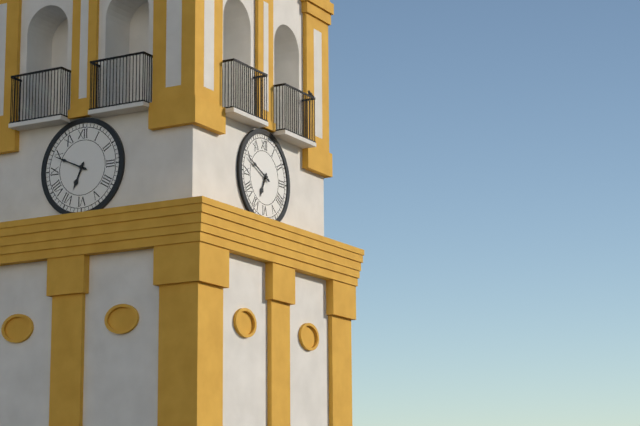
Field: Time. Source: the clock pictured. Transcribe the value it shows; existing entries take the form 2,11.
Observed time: 6,49
